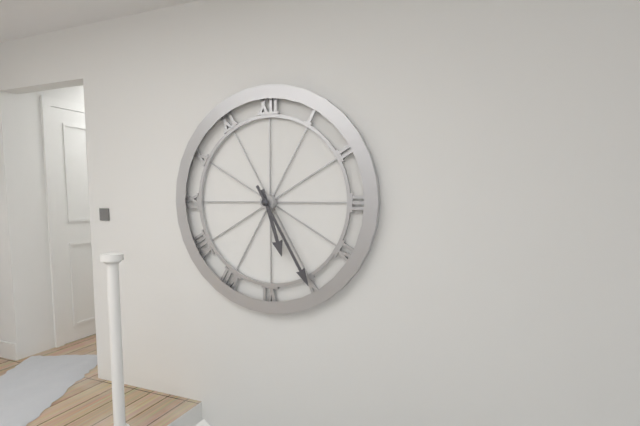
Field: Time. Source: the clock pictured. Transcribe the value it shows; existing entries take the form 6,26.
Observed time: 5,25
